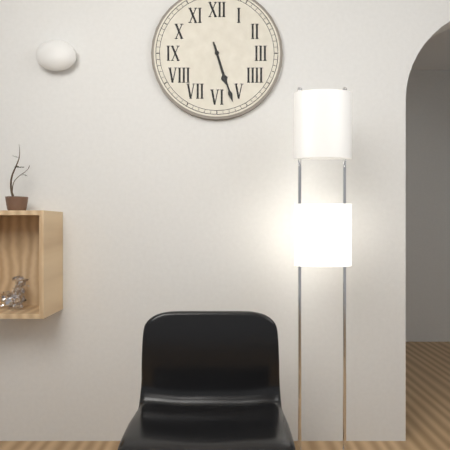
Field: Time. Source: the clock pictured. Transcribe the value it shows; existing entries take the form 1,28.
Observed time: 5,27
